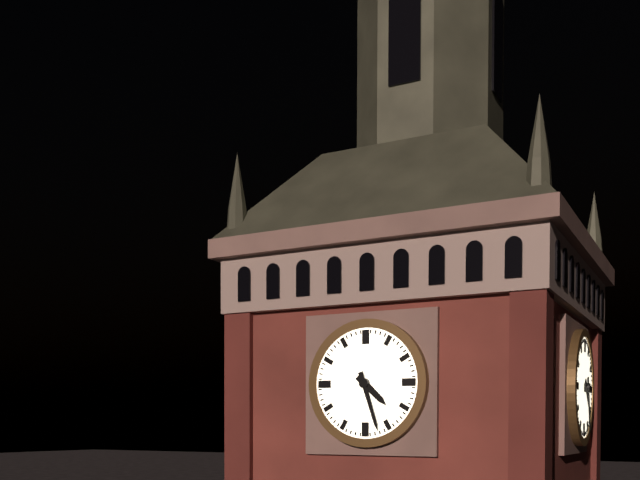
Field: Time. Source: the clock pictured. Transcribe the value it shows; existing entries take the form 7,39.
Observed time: 4,27
